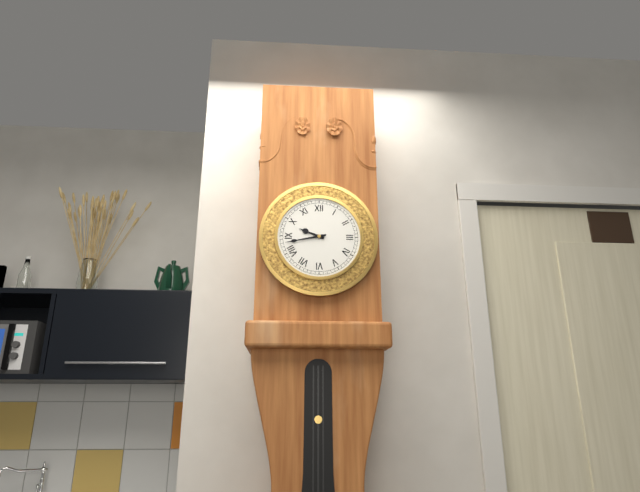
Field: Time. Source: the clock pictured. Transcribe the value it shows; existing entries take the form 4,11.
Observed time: 9,43
